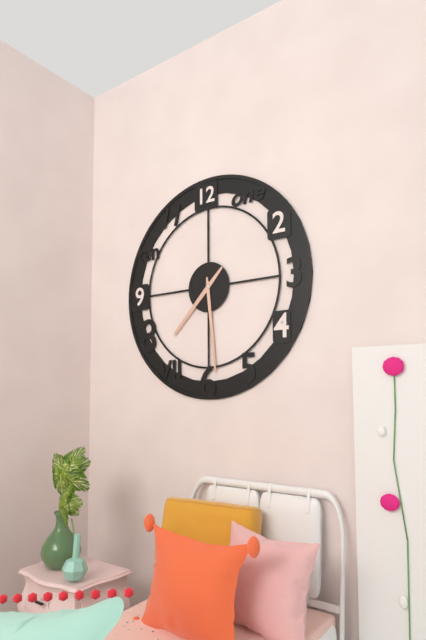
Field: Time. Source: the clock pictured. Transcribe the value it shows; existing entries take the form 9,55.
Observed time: 7,29
